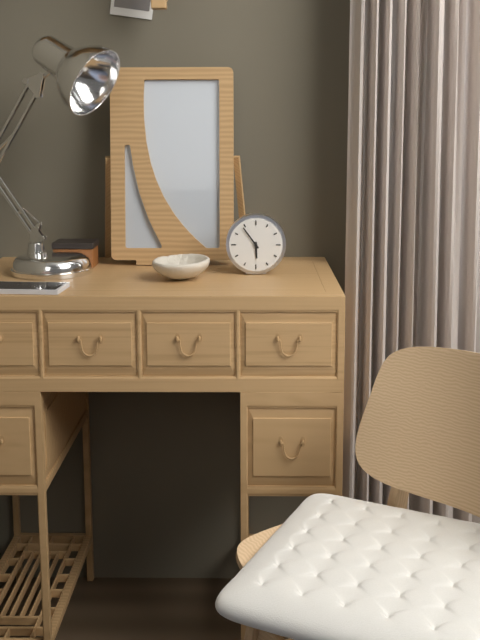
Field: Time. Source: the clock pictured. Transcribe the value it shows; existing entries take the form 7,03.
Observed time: 5,54
